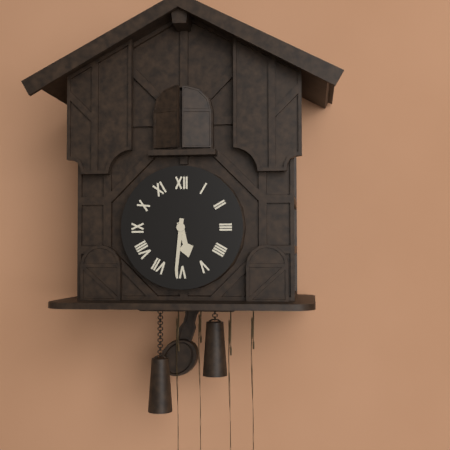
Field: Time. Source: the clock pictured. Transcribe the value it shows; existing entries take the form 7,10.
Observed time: 5,31
